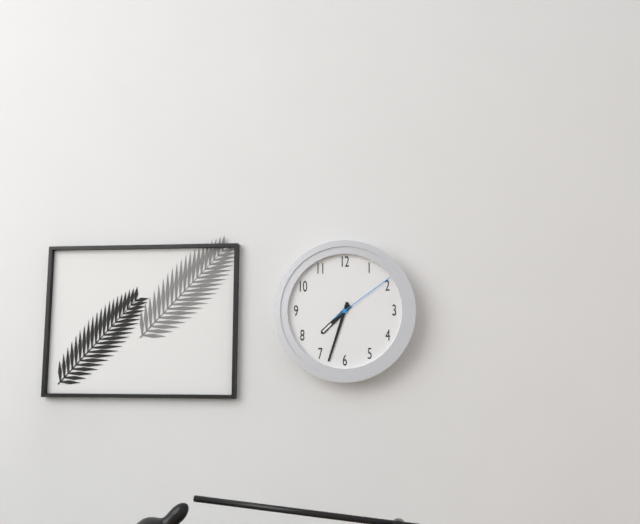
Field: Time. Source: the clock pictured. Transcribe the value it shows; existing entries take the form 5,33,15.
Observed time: 7,33,09
